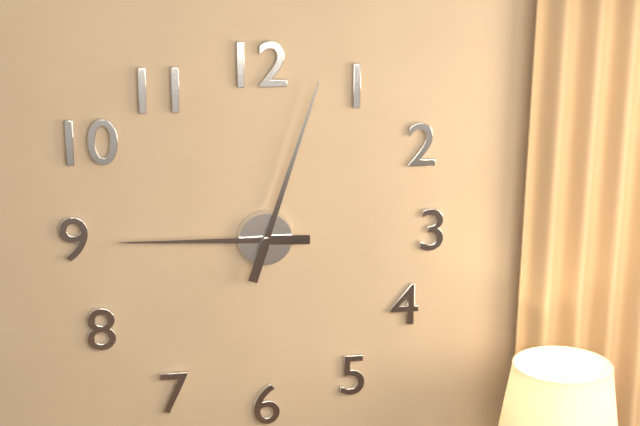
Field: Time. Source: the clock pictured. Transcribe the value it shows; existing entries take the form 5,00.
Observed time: 9,03
